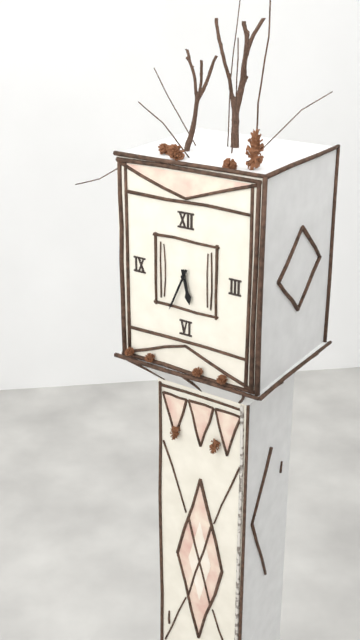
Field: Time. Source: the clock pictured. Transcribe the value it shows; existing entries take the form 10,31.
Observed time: 5,34
